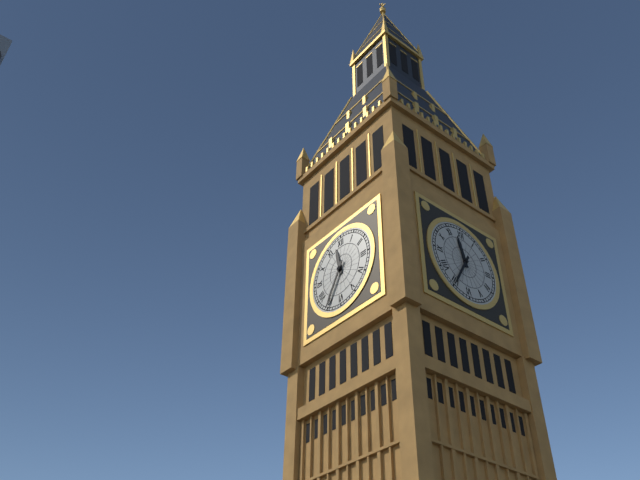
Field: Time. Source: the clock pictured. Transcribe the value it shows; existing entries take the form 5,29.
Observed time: 11,35
